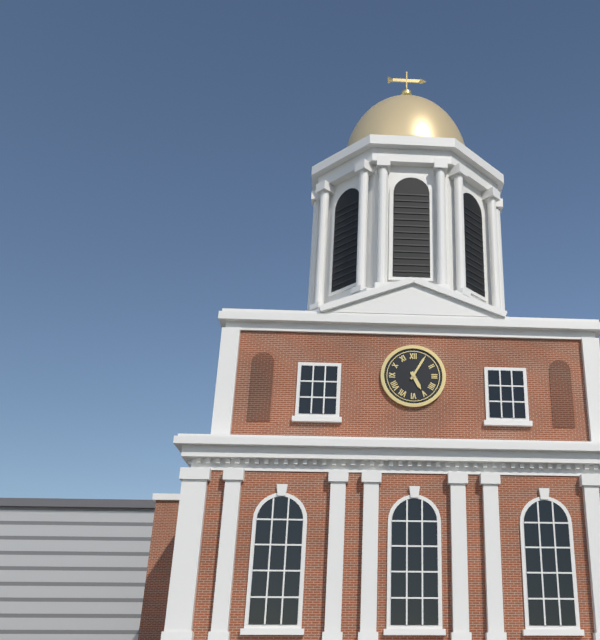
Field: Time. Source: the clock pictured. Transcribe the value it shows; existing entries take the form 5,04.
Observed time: 5,05
